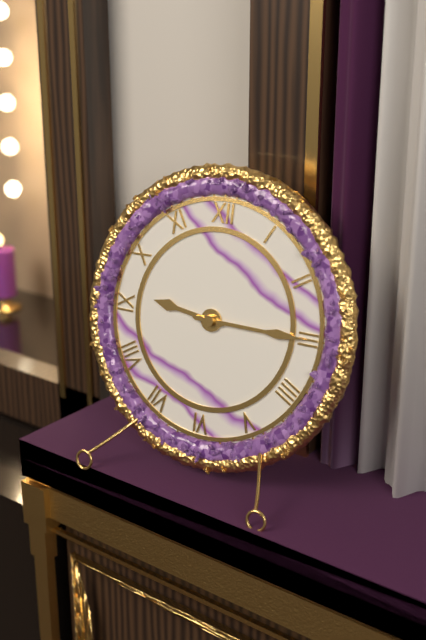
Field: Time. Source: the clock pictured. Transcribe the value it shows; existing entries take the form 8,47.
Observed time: 9,15
